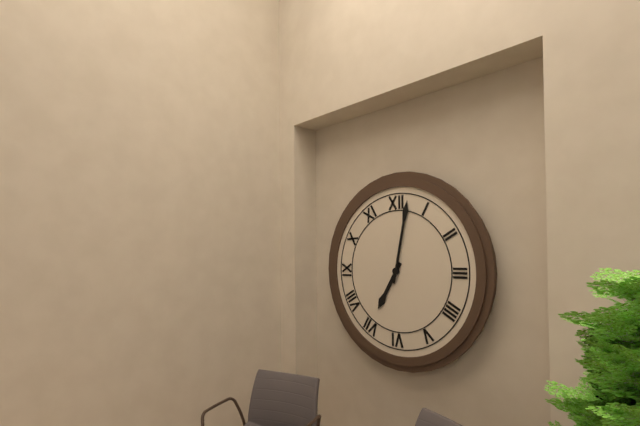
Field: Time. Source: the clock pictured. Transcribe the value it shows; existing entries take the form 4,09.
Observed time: 7,02
